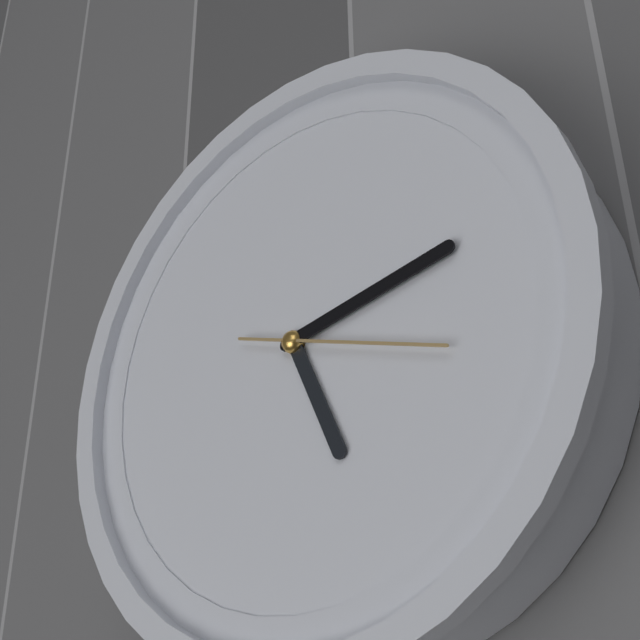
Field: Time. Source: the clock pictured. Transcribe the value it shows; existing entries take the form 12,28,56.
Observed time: 5,13,18
